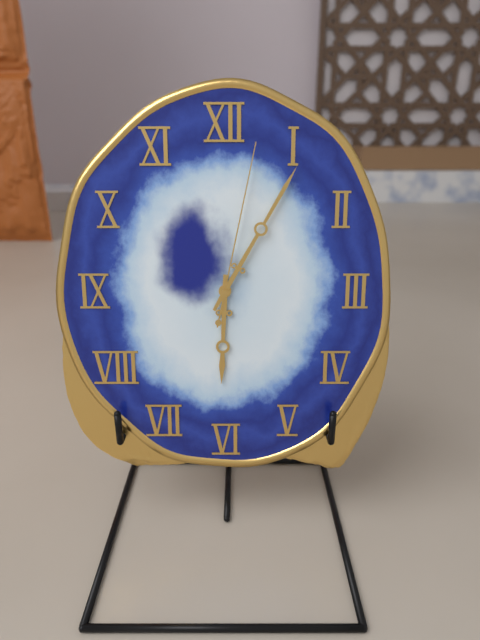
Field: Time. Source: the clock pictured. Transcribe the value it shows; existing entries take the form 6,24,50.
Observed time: 6,05,02
